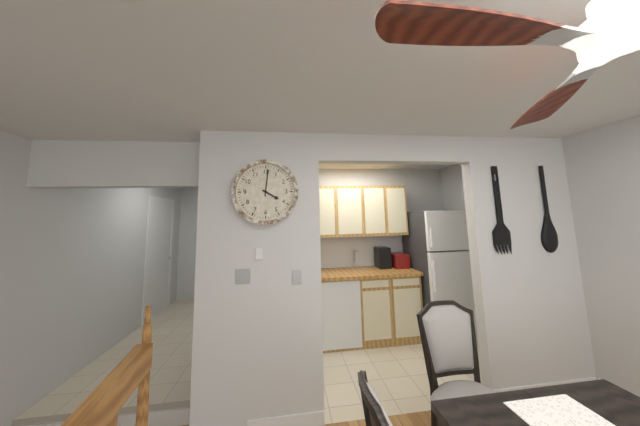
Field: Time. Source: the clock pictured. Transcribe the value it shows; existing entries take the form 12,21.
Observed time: 4,01
